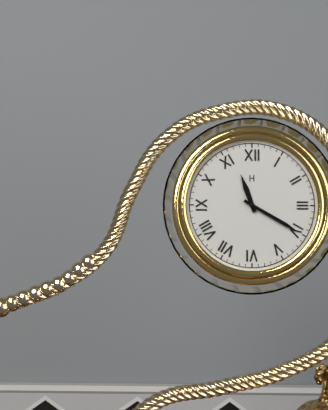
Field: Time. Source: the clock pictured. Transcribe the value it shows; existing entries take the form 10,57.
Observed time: 11,20
